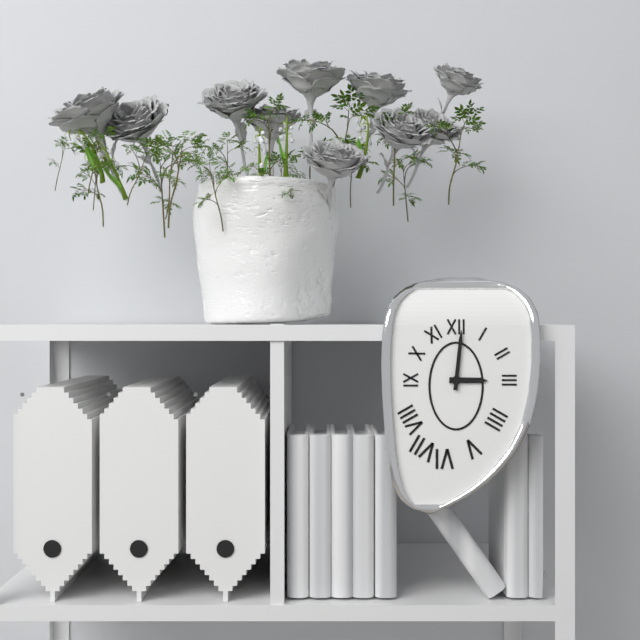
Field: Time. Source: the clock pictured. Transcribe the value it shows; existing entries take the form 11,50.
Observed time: 3,01
